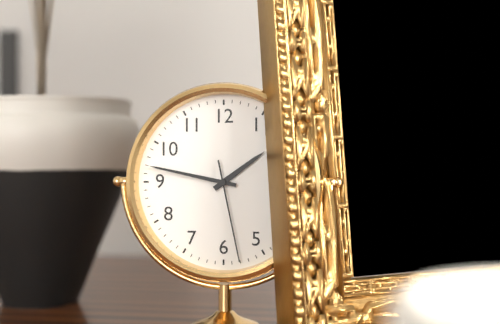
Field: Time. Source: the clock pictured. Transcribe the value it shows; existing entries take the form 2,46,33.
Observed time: 1,47,28
